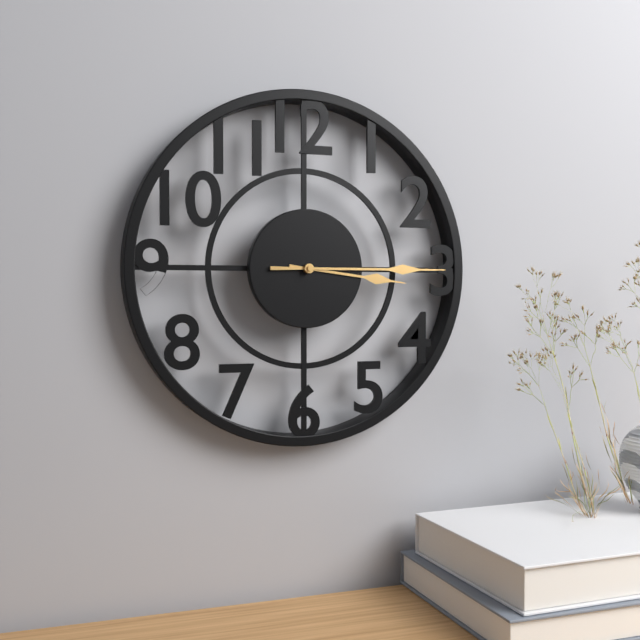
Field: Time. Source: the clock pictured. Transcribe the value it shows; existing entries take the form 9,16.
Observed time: 3,15
